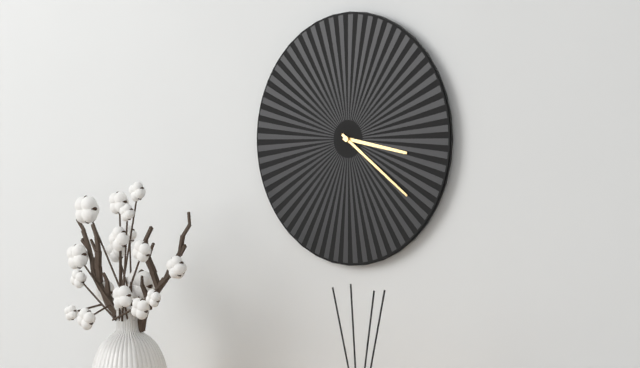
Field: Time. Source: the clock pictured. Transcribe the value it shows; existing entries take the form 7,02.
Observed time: 3,21
